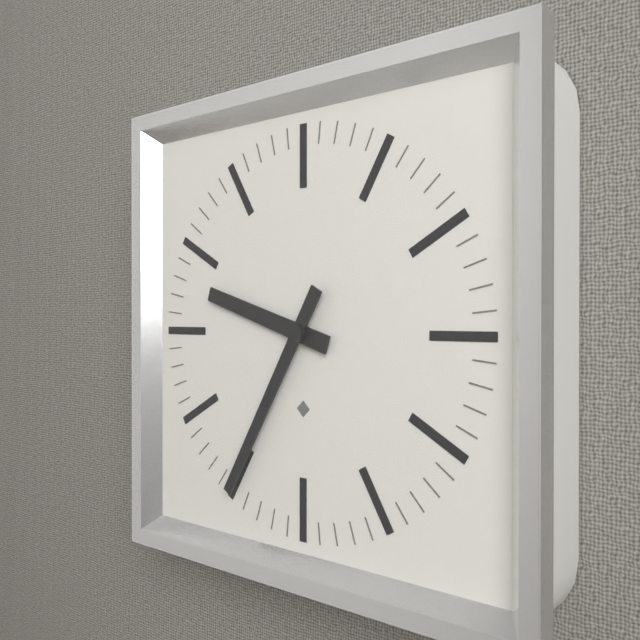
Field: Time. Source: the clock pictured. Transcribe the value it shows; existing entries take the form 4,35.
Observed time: 9,35
